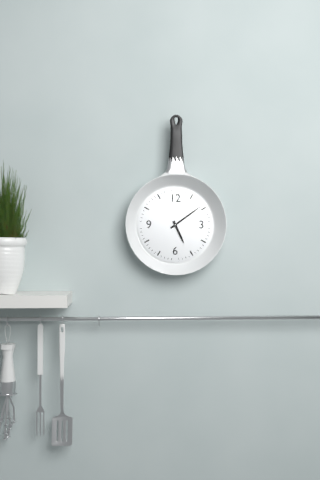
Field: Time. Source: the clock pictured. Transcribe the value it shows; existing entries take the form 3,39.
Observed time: 5,09
